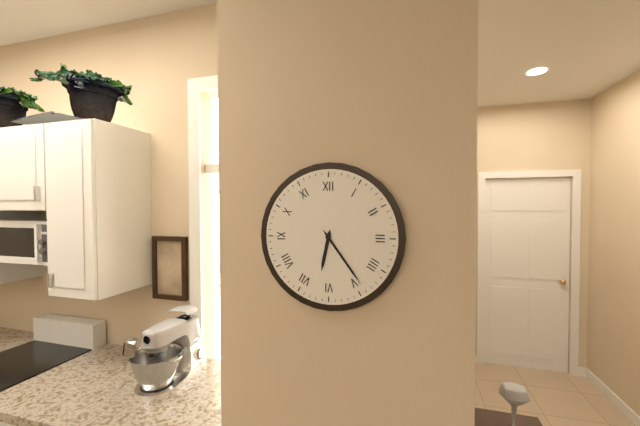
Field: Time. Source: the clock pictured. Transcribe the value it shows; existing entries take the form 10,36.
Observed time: 6,24
